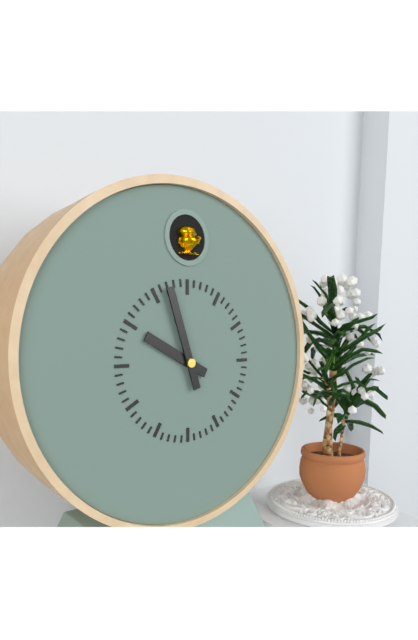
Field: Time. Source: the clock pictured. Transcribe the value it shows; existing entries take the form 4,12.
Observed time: 9,57
